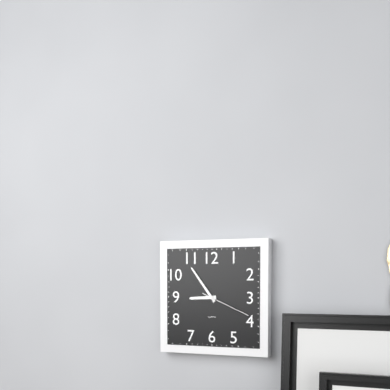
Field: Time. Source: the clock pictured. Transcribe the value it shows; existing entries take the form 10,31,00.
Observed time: 8,54,19
